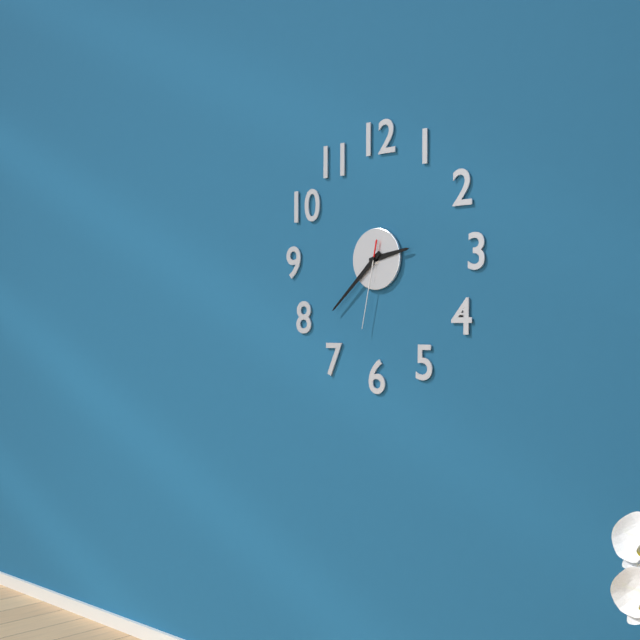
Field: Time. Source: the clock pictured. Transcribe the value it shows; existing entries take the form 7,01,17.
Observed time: 2,38,32
